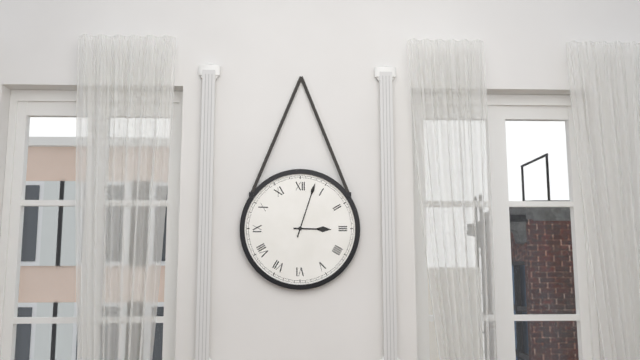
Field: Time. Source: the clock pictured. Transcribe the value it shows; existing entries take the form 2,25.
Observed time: 3,03
